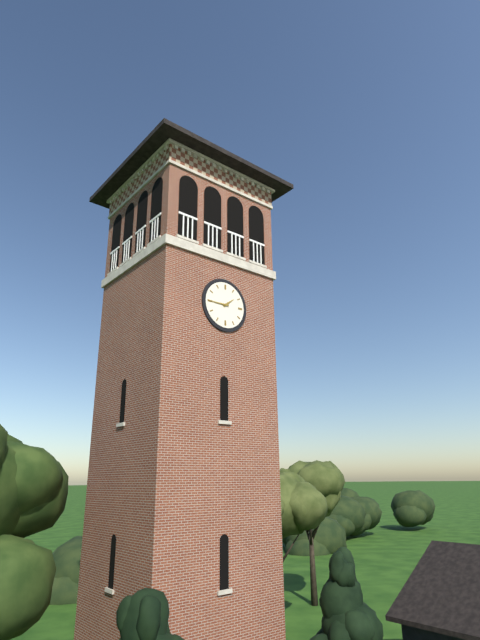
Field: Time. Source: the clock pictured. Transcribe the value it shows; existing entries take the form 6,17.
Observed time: 1,45
